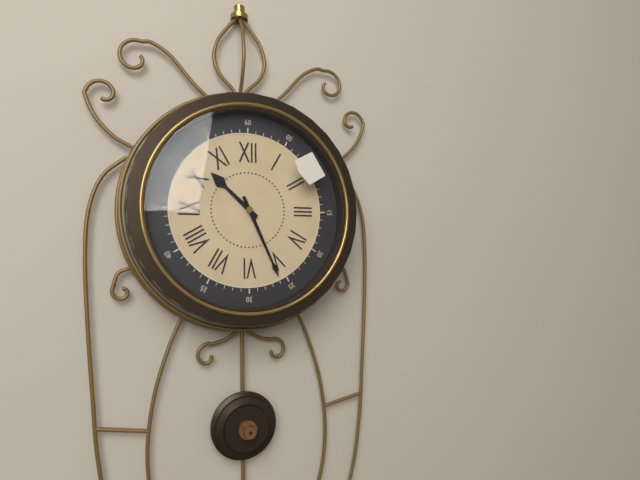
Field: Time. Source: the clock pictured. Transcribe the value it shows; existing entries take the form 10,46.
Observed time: 10,26
